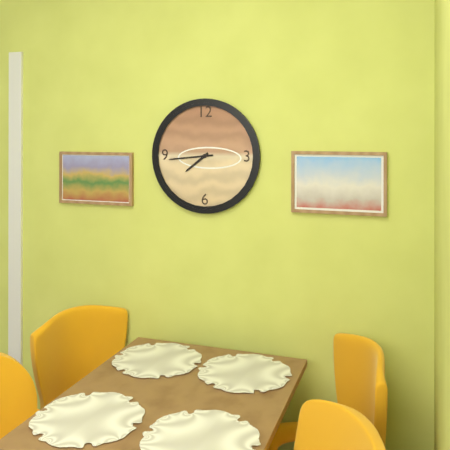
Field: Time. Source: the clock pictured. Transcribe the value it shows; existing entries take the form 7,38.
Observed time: 7,44
